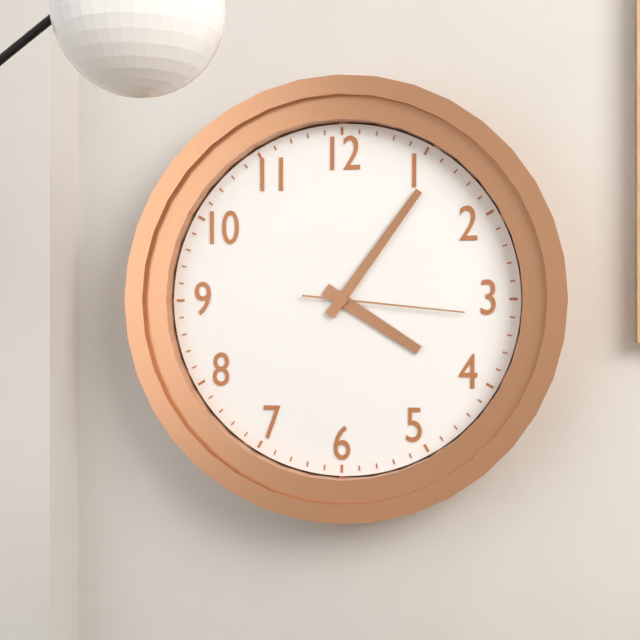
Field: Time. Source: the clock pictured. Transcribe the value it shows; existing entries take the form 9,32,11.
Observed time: 4,06,16
